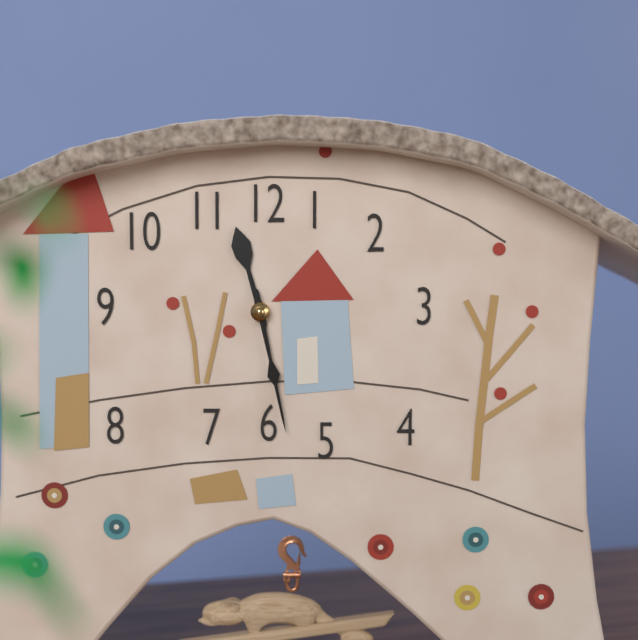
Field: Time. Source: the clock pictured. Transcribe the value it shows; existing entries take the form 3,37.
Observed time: 11,28
